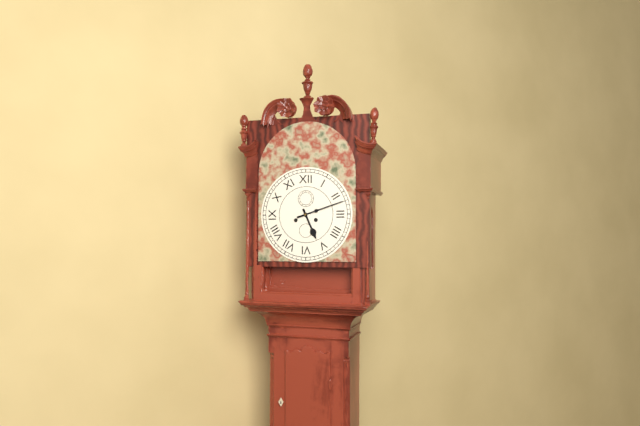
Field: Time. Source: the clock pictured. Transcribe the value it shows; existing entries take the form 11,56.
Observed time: 5,12
